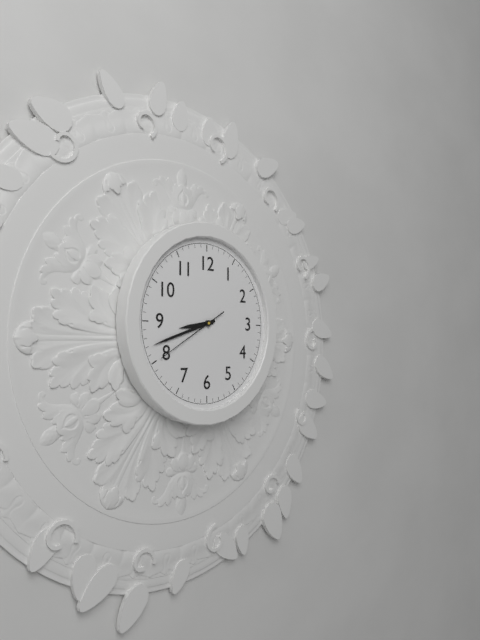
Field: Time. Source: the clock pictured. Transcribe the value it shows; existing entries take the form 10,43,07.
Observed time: 8,42,40
